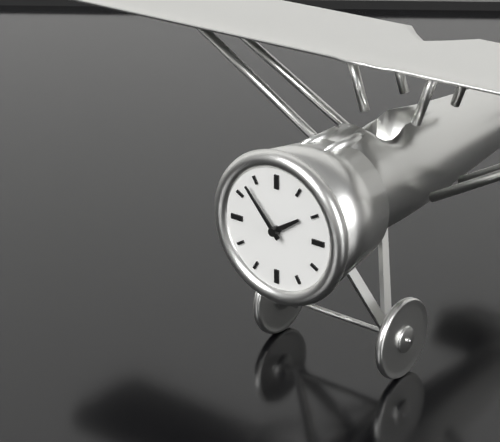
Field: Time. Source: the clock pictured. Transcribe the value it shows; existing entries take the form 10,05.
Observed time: 1,53
